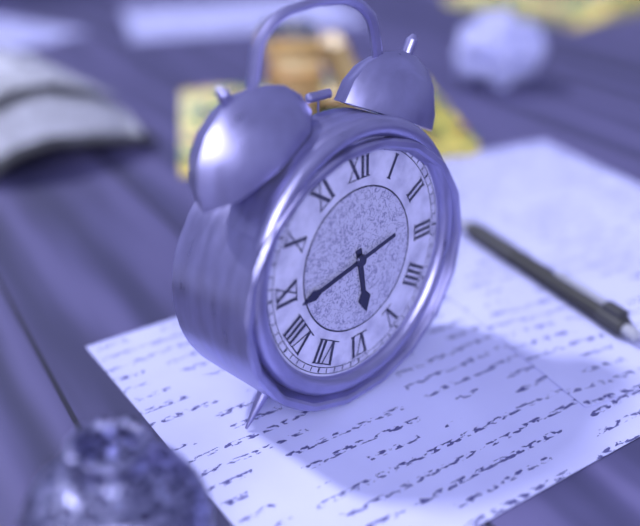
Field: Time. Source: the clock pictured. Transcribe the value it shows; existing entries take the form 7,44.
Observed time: 5,43
